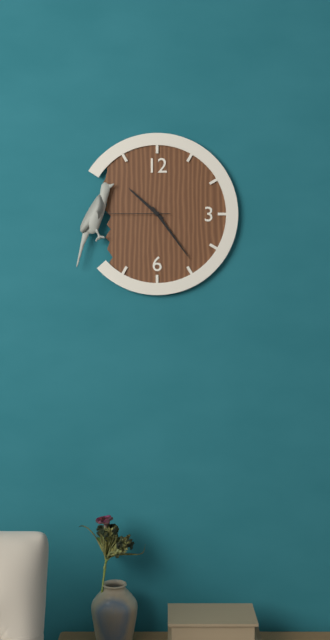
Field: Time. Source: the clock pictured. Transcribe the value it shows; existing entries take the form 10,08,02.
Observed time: 10,24,45
